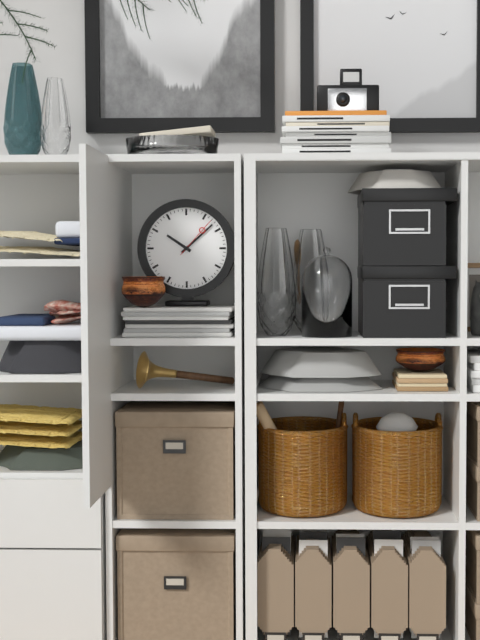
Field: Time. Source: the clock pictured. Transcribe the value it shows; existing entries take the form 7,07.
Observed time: 10,08
